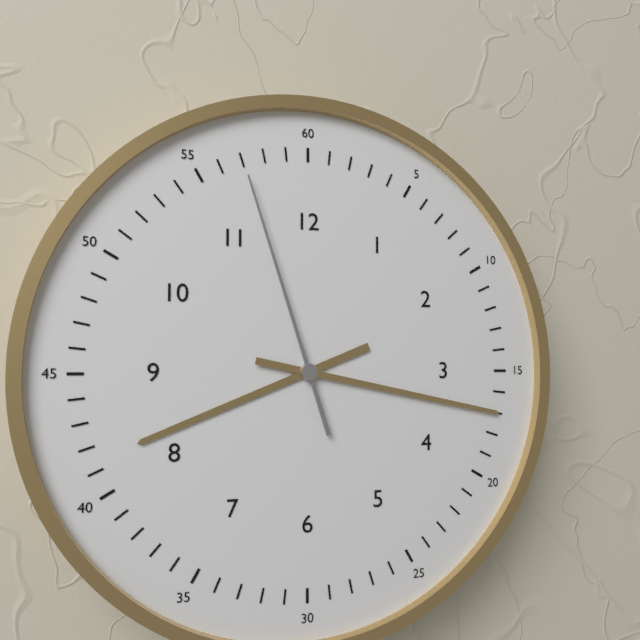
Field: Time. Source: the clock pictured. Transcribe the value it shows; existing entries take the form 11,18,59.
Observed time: 8,17,57
